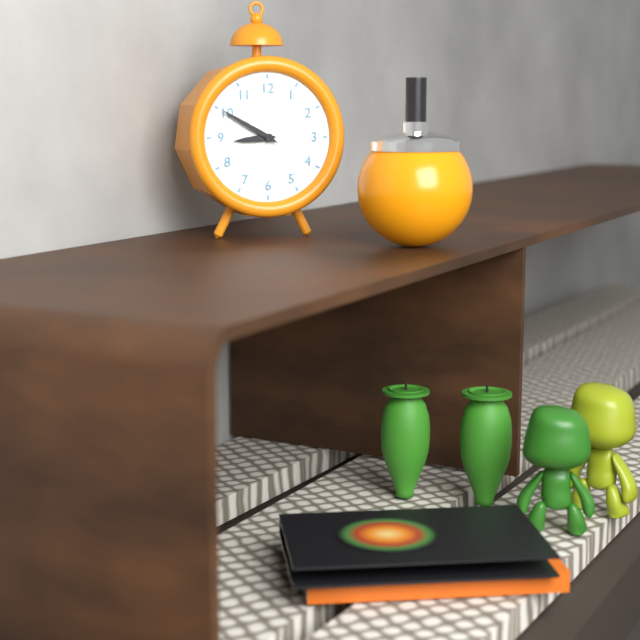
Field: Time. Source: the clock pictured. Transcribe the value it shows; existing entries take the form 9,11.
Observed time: 8,50
